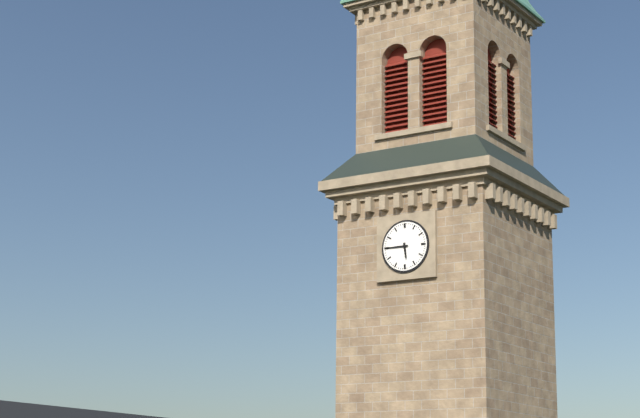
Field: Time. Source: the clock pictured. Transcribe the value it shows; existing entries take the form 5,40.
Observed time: 5,45
